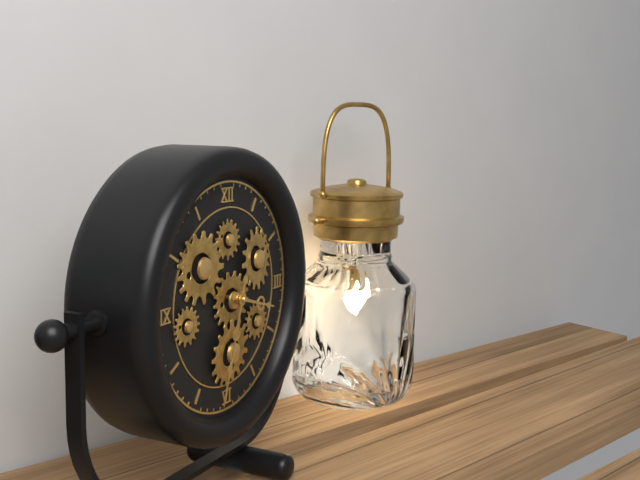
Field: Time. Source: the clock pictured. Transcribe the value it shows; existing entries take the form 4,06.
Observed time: 3,33
